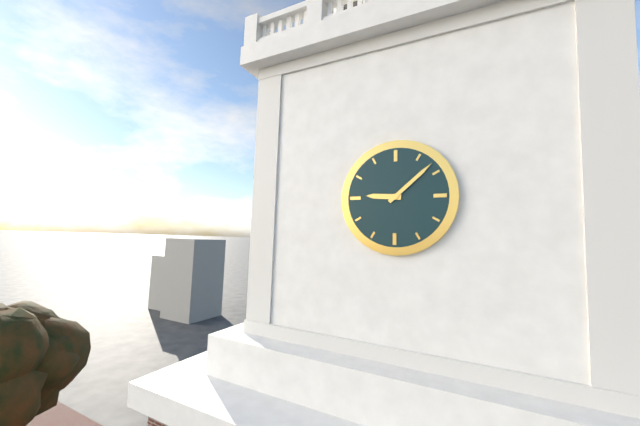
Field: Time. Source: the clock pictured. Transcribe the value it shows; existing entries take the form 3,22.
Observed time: 9,08
